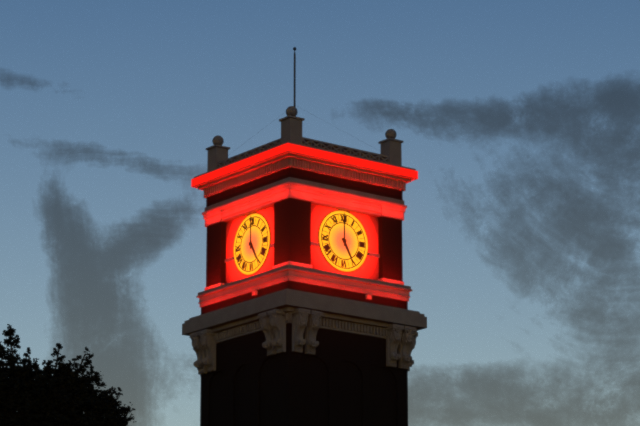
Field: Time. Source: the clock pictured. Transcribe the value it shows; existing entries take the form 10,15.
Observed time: 5,00
